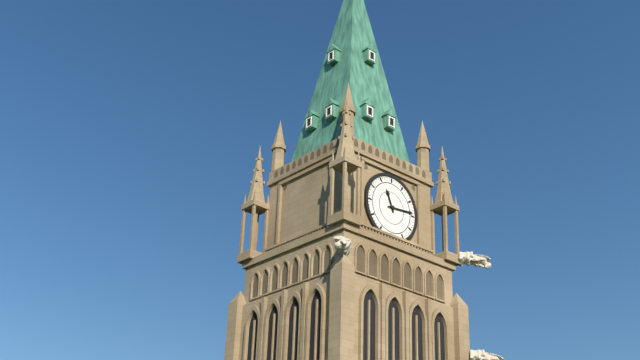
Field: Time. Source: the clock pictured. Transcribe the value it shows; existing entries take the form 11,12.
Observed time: 11,14
